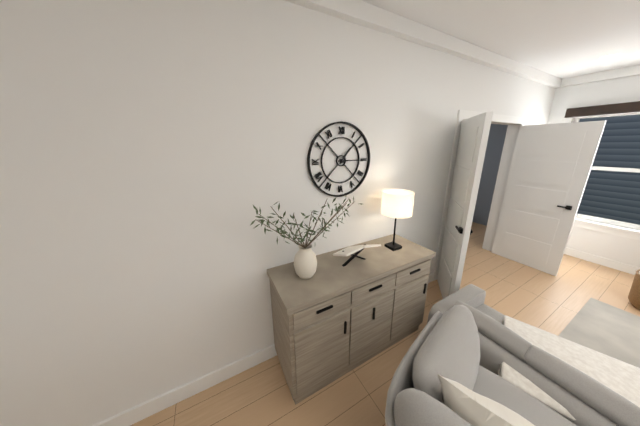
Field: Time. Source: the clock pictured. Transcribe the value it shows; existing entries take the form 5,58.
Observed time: 1,15
